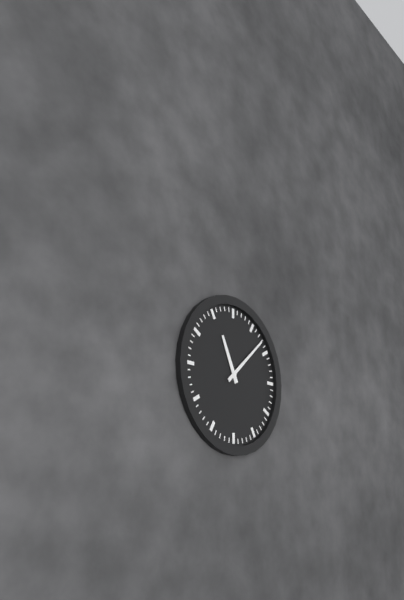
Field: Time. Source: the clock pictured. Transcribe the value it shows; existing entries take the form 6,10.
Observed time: 11,08
